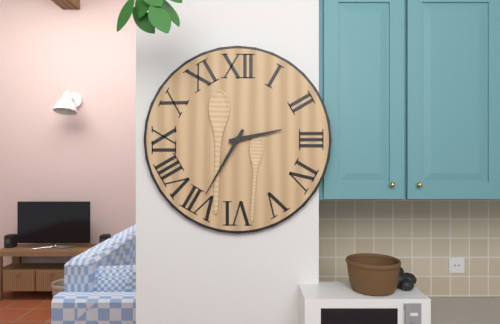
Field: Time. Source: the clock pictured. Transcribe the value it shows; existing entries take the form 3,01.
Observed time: 2,35
